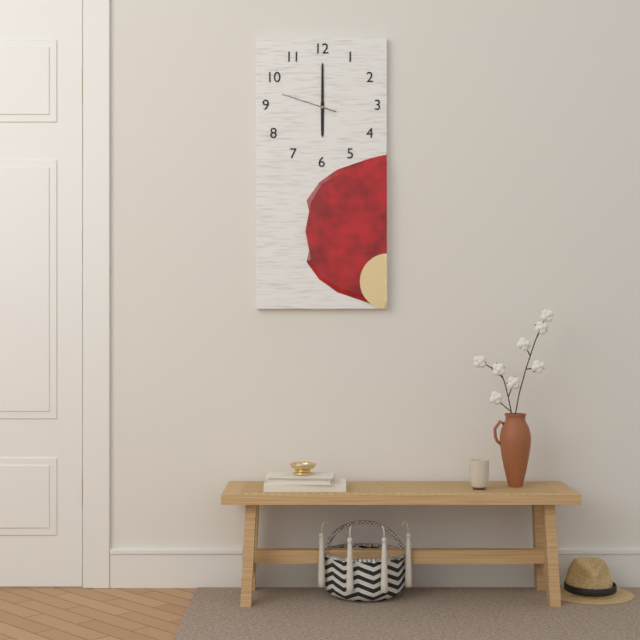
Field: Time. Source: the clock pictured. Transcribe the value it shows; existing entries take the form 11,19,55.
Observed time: 6,00,48
